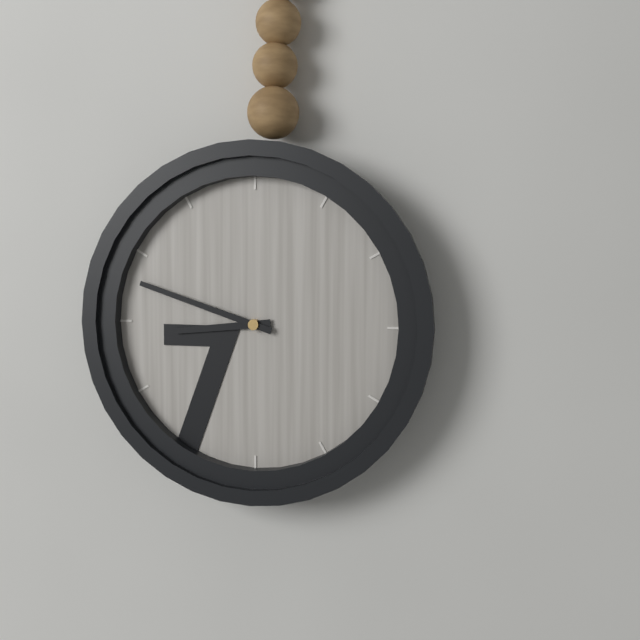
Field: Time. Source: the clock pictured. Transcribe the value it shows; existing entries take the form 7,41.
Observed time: 8,48
